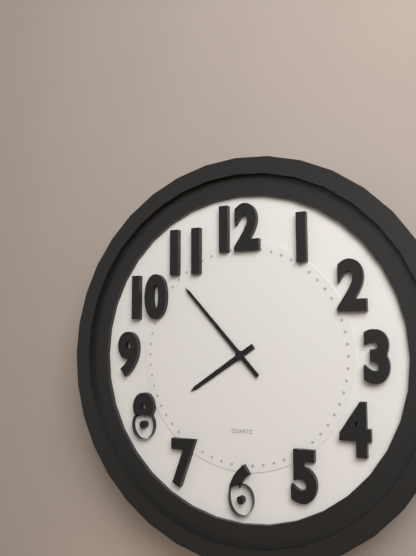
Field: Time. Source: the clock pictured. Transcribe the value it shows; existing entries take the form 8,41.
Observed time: 7,53
